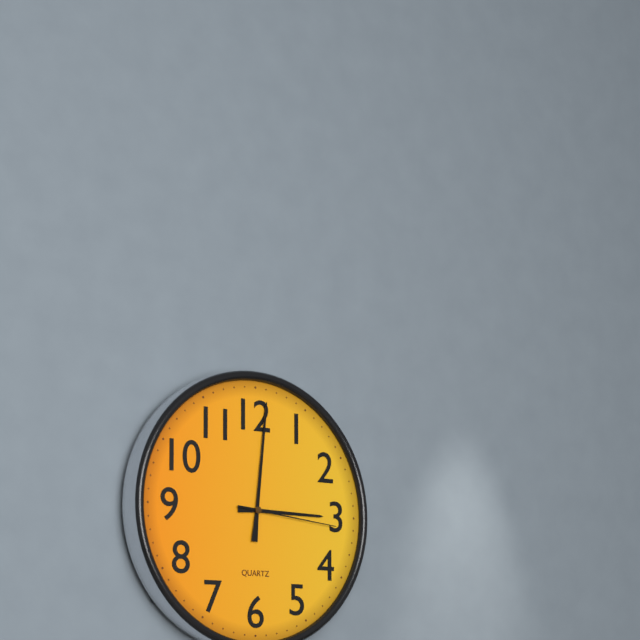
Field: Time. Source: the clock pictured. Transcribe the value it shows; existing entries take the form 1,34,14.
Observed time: 3,01,16
